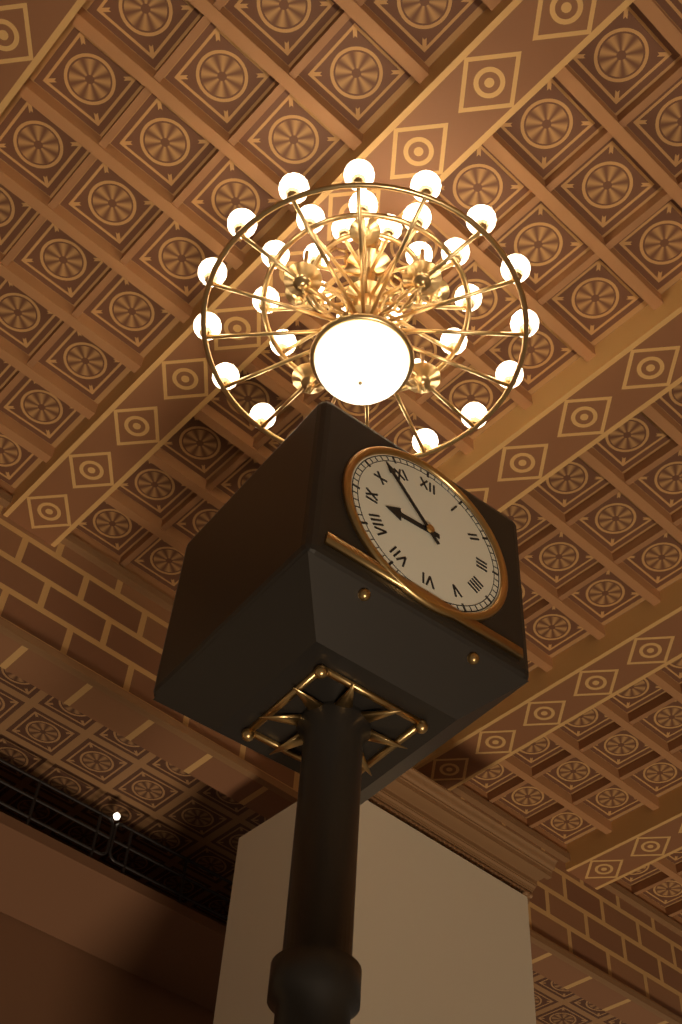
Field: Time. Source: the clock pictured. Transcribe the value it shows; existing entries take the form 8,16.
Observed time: 8,53
